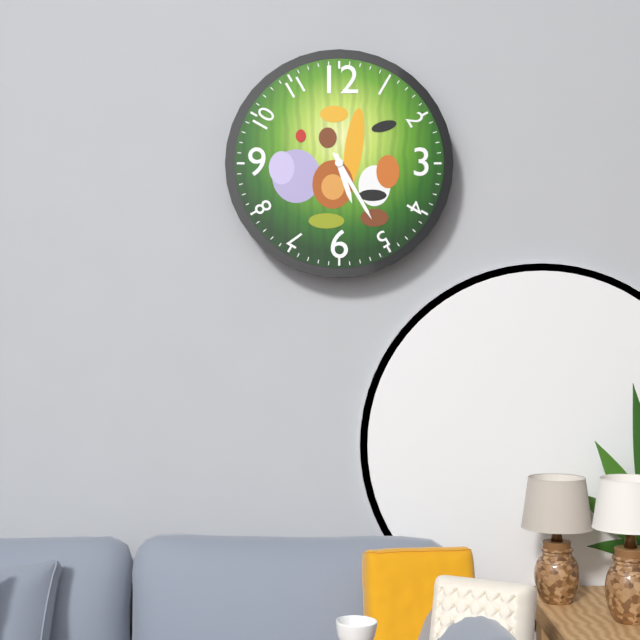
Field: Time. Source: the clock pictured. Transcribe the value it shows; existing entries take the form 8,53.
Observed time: 5,25
